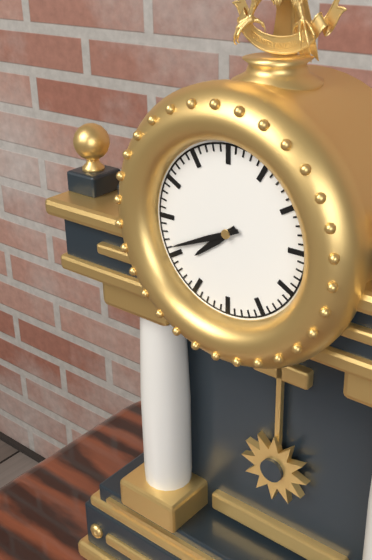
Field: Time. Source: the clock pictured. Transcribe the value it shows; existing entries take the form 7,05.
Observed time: 7,41
